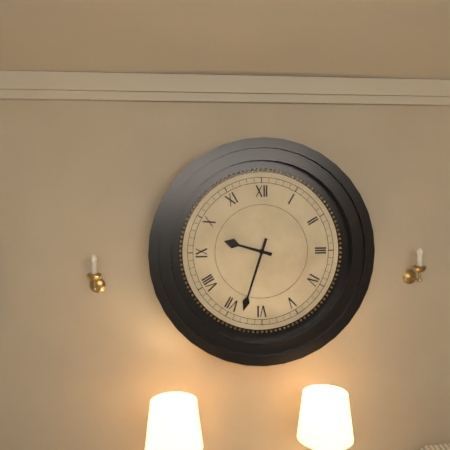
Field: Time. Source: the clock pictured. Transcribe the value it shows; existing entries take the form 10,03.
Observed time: 9,33
